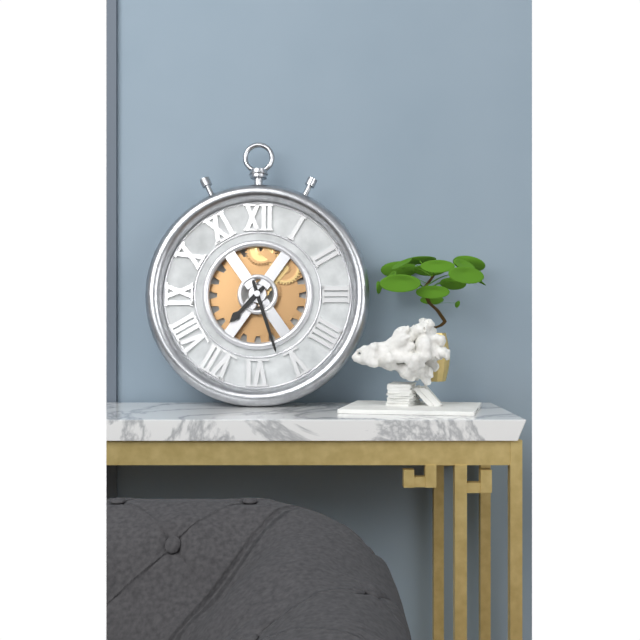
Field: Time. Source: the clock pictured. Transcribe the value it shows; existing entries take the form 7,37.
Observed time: 7,27
